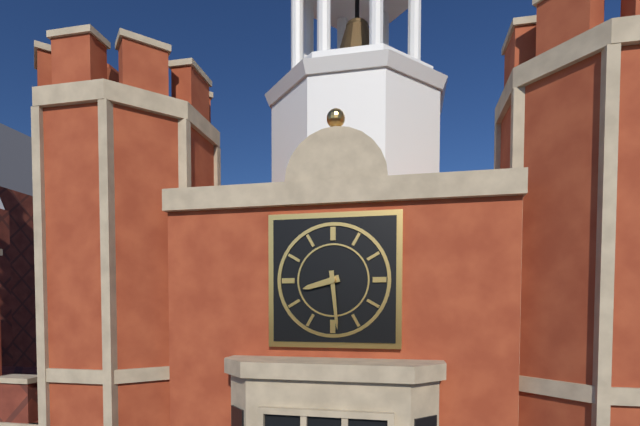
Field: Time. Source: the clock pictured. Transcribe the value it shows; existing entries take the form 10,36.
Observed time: 8,29
